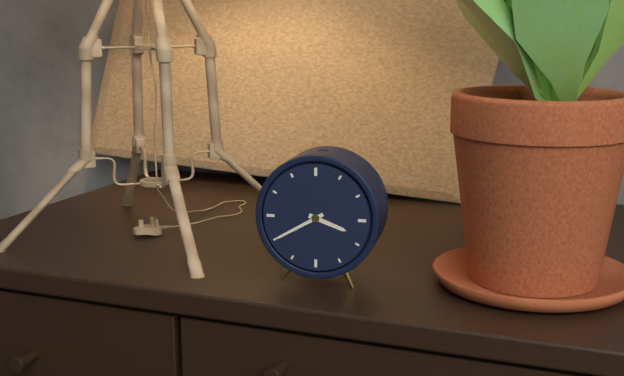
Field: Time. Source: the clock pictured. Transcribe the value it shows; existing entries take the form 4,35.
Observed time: 3,40
